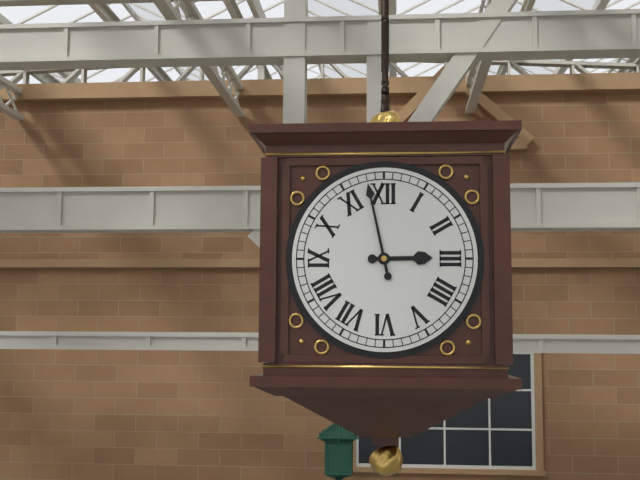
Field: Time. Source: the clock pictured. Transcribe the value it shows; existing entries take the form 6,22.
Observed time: 2,58
